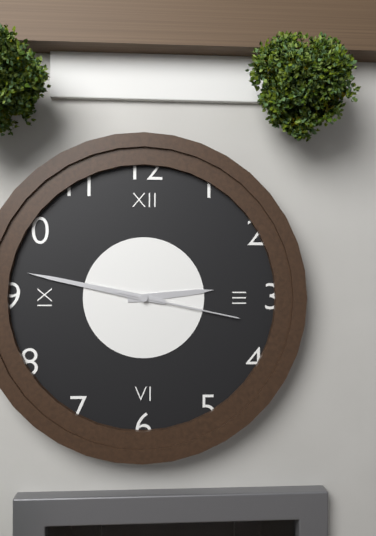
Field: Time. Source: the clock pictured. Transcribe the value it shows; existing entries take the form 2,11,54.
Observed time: 2,47,17
